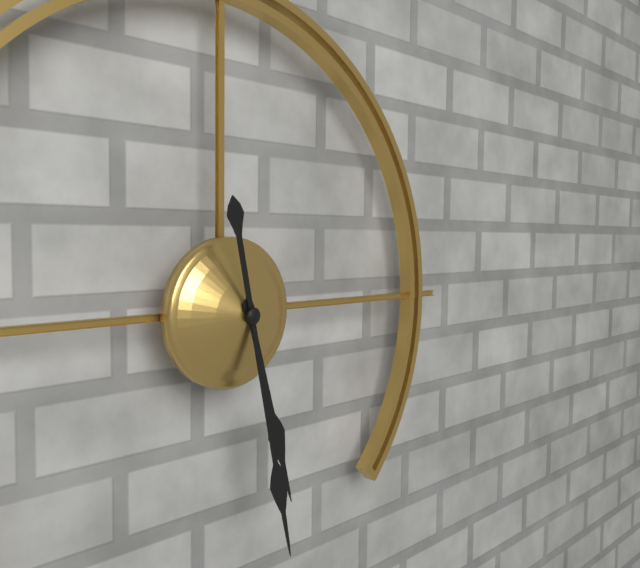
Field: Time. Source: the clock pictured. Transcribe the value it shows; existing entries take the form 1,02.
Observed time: 5,28
